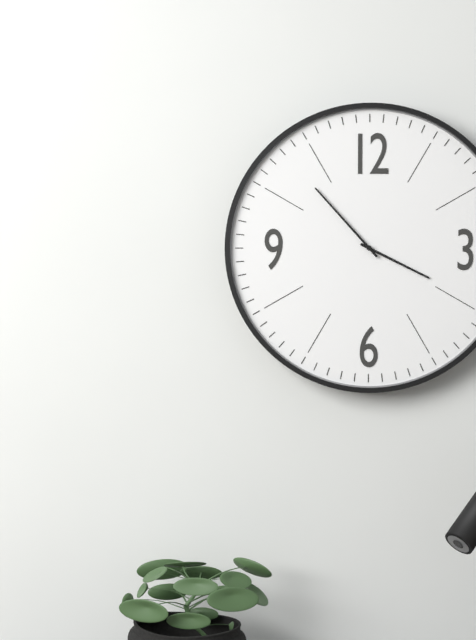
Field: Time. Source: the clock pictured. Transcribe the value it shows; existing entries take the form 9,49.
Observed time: 3,53
